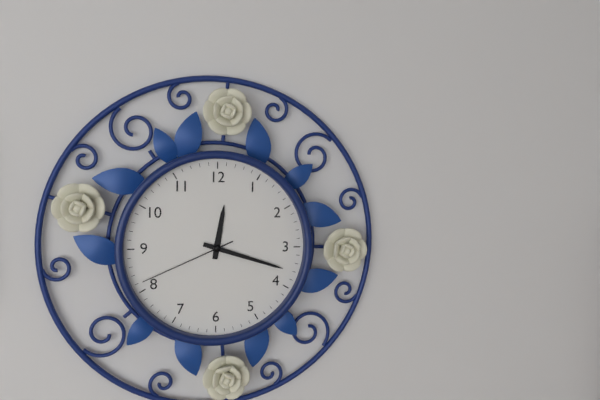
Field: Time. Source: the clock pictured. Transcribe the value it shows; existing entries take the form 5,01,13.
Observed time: 12,18,41
